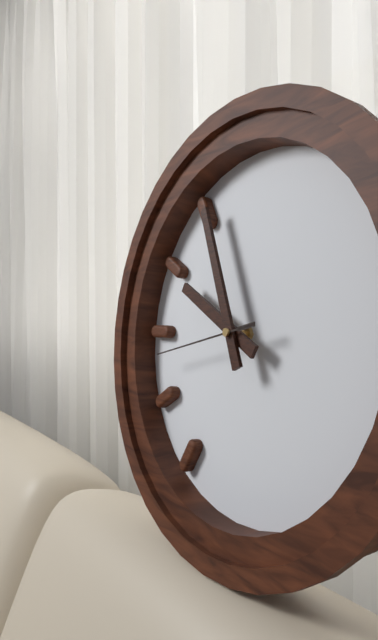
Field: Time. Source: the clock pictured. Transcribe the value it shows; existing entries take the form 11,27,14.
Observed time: 9,56,43
